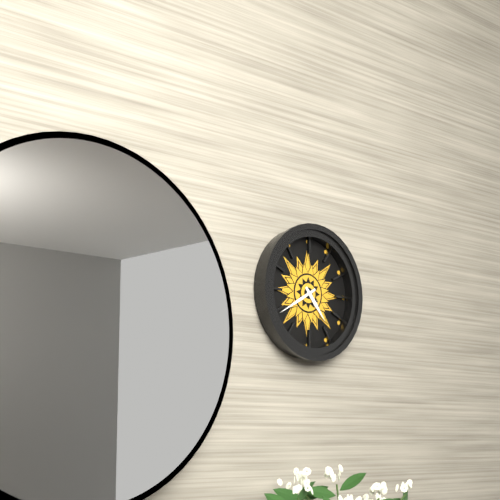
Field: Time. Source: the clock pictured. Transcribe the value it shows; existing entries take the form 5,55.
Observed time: 4,40
